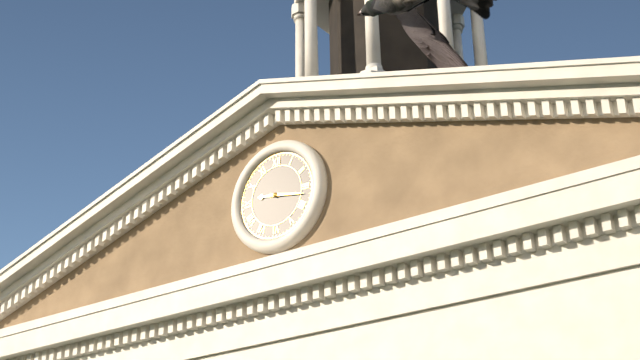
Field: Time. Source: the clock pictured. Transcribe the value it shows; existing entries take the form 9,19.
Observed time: 9,17
